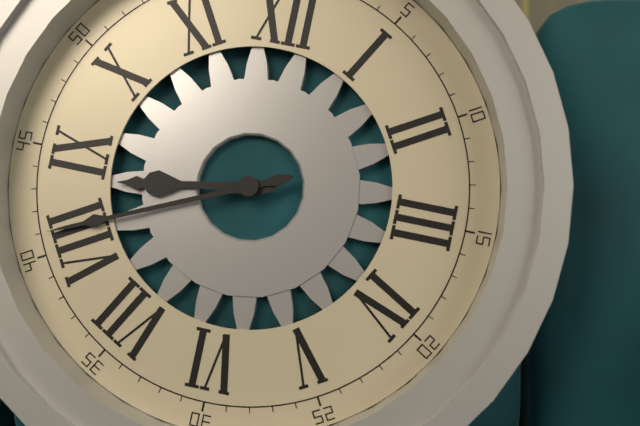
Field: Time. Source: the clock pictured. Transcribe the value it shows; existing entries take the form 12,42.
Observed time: 8,41
